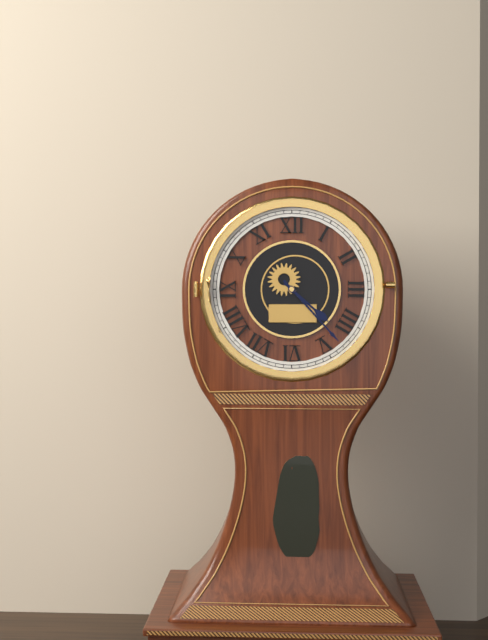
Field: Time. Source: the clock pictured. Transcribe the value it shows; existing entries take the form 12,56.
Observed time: 4,23
